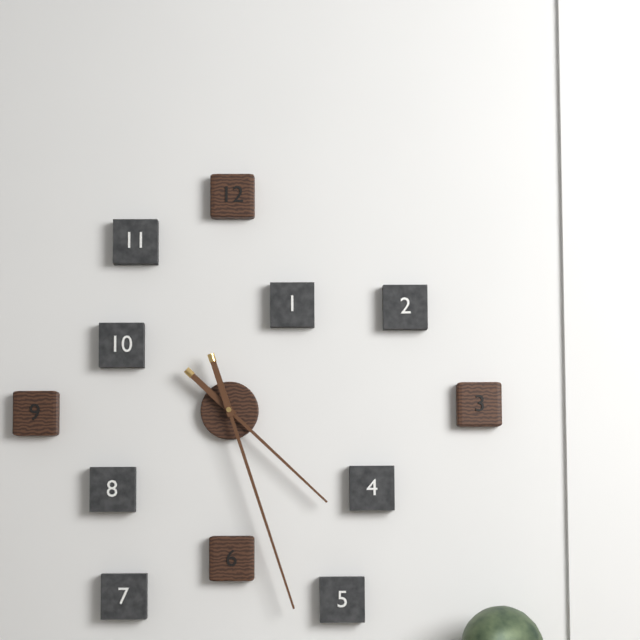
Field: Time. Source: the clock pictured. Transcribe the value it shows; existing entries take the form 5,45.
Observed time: 4,27
